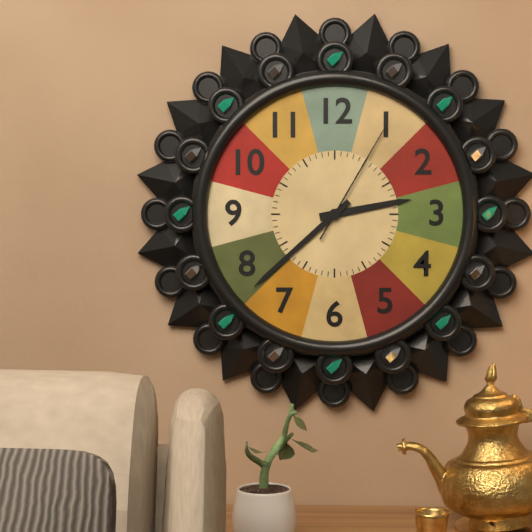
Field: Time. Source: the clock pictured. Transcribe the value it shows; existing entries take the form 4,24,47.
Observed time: 2,38,05
